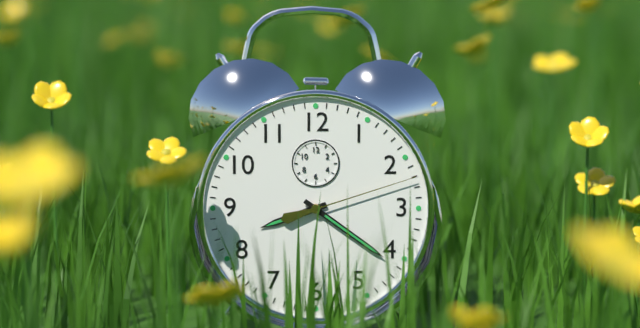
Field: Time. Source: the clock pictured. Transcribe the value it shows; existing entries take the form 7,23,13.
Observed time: 8,21,12
